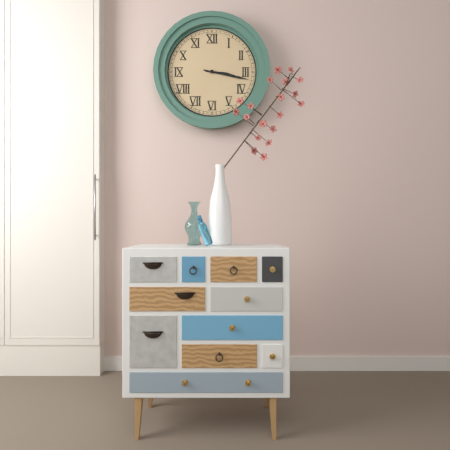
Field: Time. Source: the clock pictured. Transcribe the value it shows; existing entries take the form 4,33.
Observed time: 3,17
